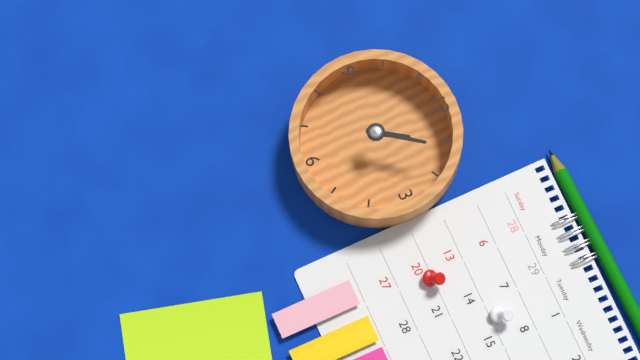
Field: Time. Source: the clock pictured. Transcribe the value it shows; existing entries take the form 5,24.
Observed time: 1,06
